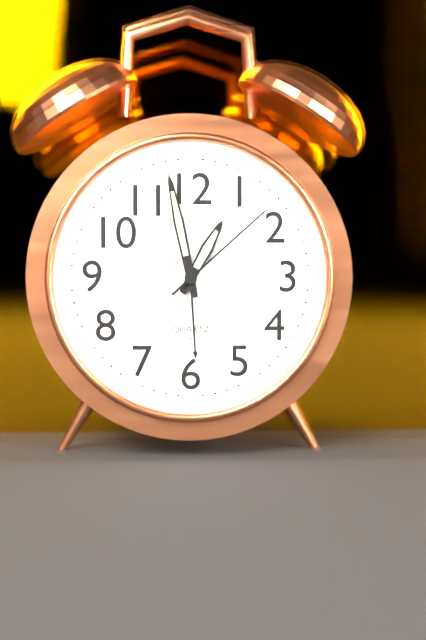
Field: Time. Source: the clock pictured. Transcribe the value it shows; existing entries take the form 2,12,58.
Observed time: 12,58,08
